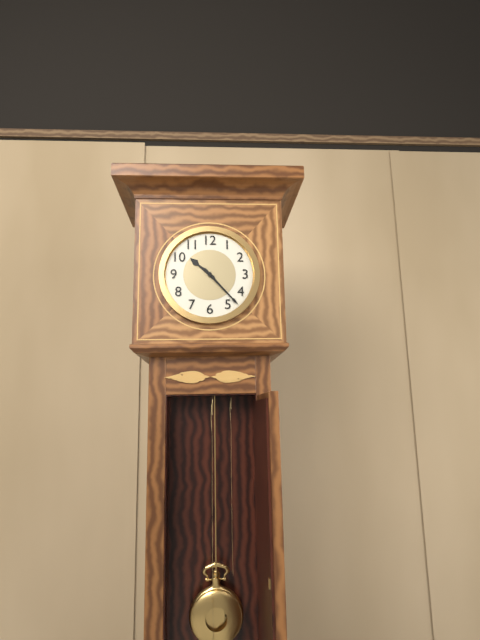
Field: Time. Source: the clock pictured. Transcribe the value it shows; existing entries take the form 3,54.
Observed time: 10,23
